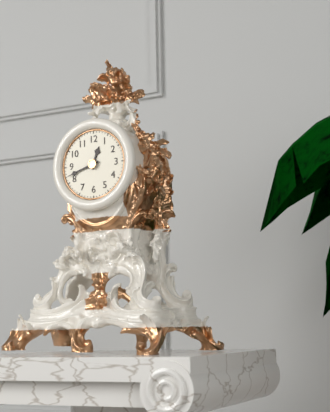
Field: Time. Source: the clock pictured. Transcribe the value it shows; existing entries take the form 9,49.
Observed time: 12,42
